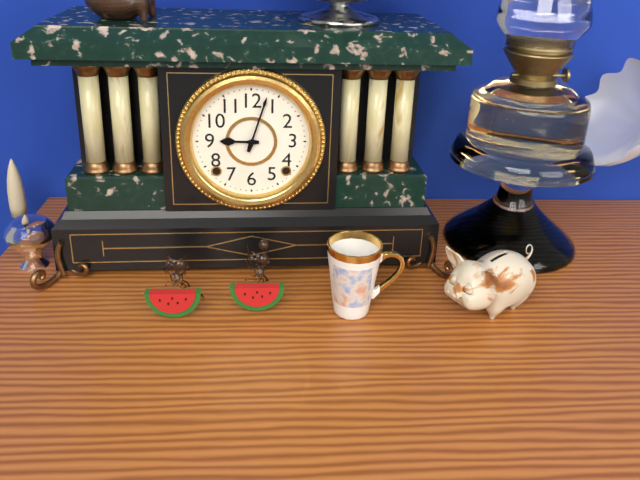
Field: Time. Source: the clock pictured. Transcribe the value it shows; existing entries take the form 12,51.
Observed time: 9,03
